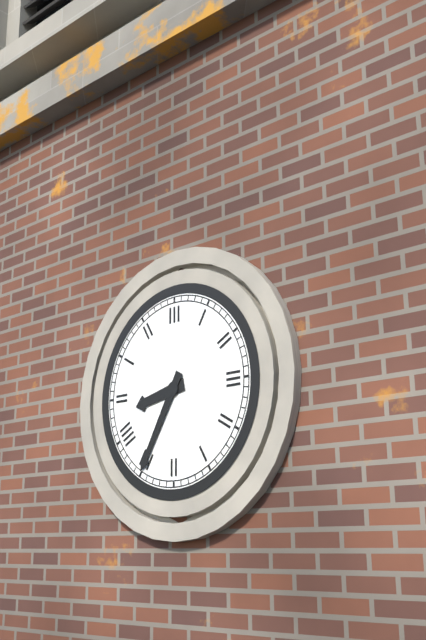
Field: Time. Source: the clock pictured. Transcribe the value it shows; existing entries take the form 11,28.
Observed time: 8,35
